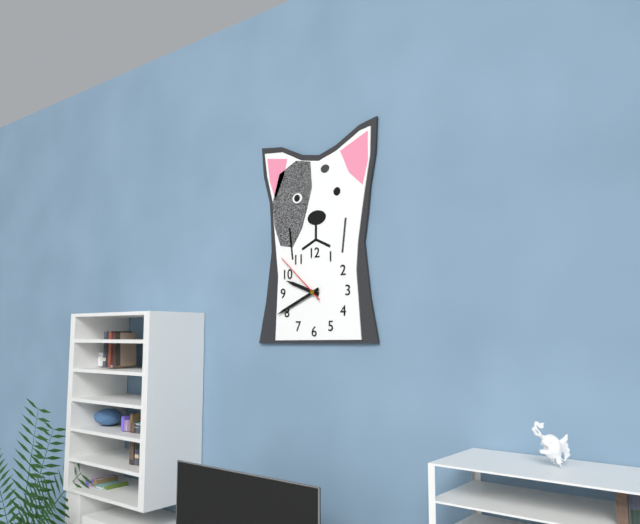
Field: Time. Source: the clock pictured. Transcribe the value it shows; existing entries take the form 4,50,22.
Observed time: 9,41,52
